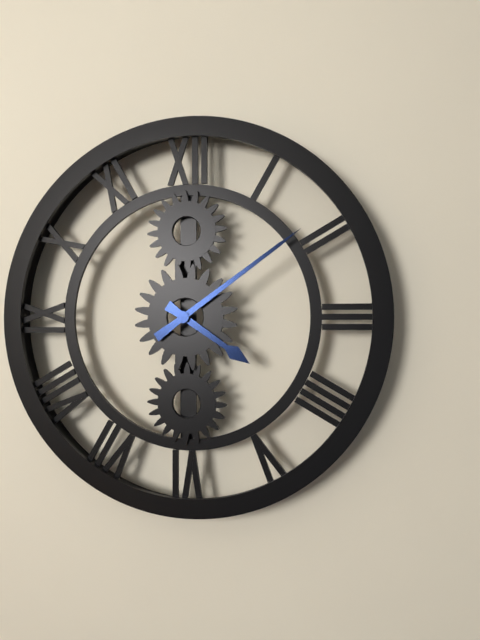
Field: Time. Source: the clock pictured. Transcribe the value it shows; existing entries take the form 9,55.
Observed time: 4,09
